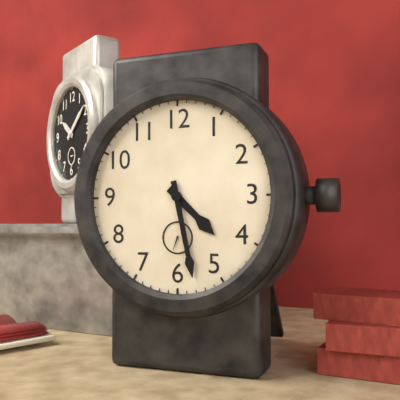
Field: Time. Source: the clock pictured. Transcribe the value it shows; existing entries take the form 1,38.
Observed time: 4,28
